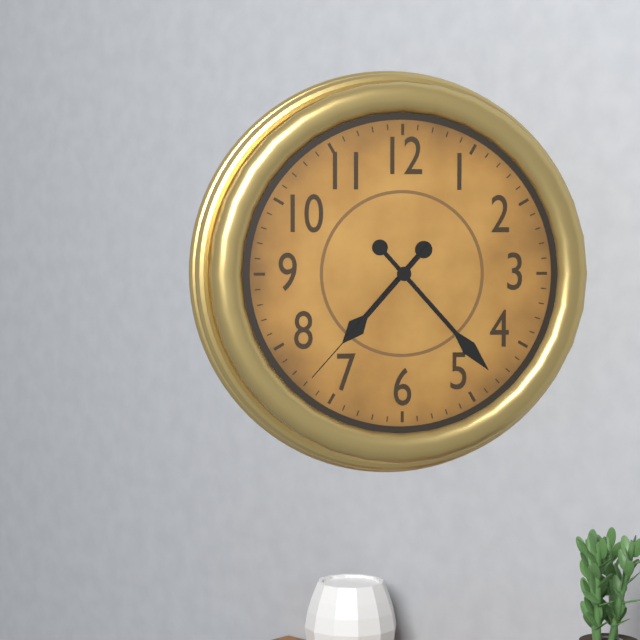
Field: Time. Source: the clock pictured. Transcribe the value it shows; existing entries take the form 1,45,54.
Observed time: 7,23,37
